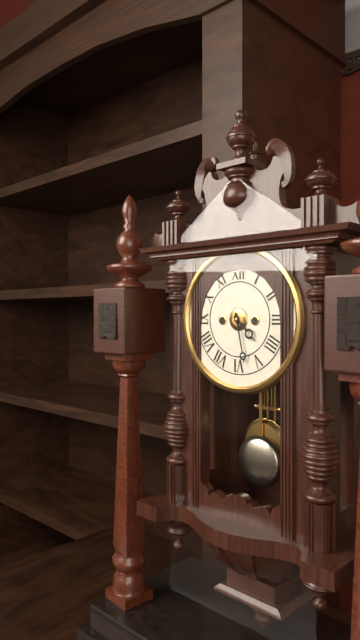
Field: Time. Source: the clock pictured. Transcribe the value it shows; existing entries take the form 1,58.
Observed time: 4,28
